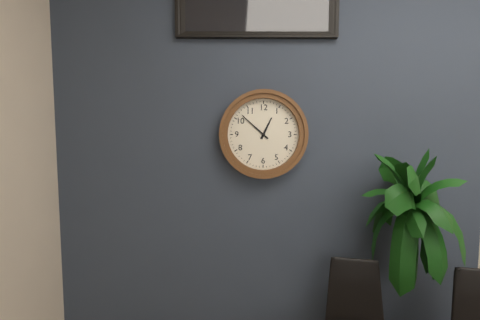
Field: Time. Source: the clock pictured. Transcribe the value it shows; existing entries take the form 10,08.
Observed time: 12,52
